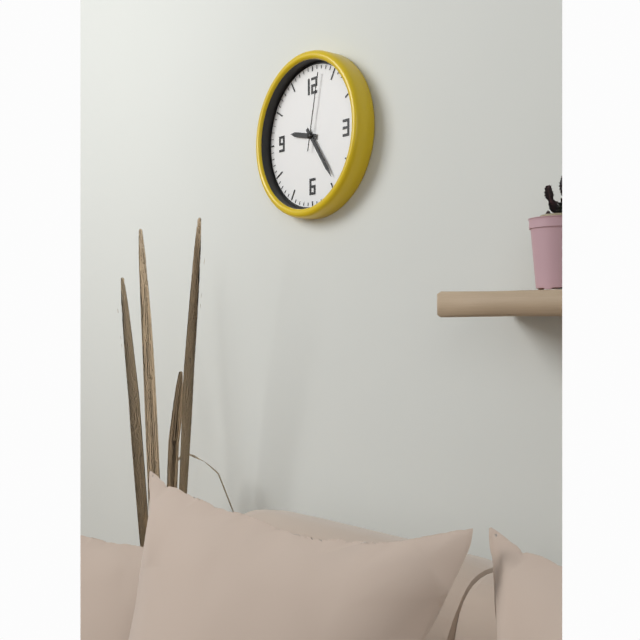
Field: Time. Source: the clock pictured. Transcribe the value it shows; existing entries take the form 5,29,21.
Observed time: 9,24,02
